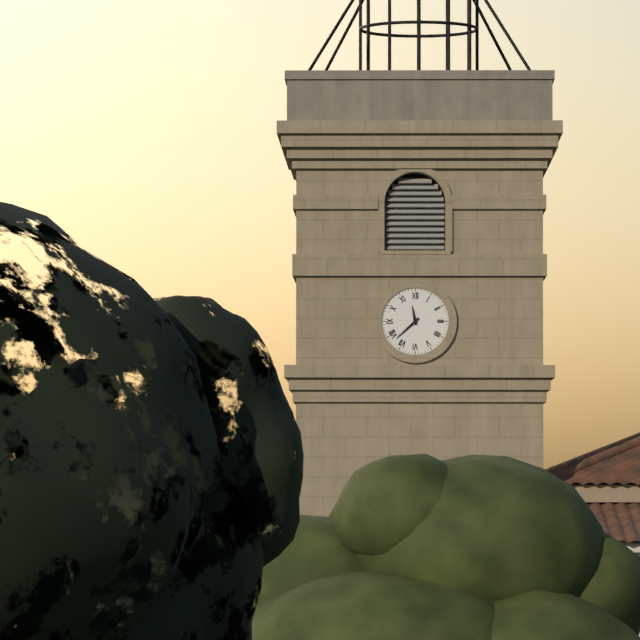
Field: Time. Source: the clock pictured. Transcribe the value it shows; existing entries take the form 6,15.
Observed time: 11,38
